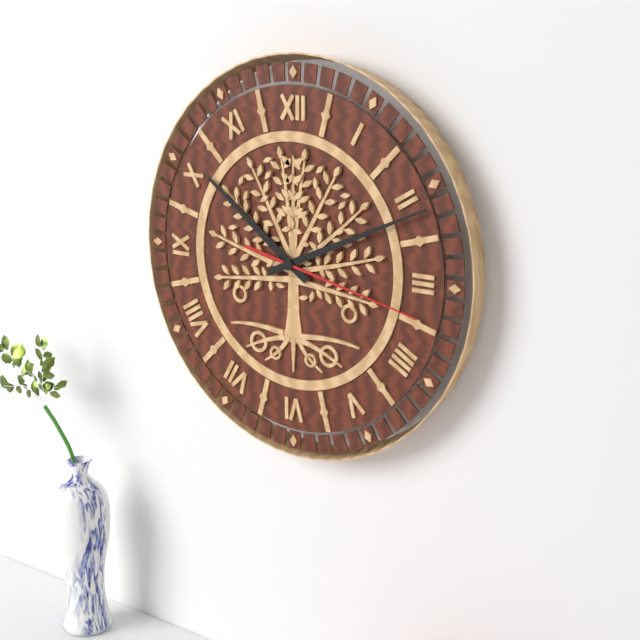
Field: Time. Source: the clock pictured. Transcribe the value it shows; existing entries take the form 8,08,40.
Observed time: 10,11,17
